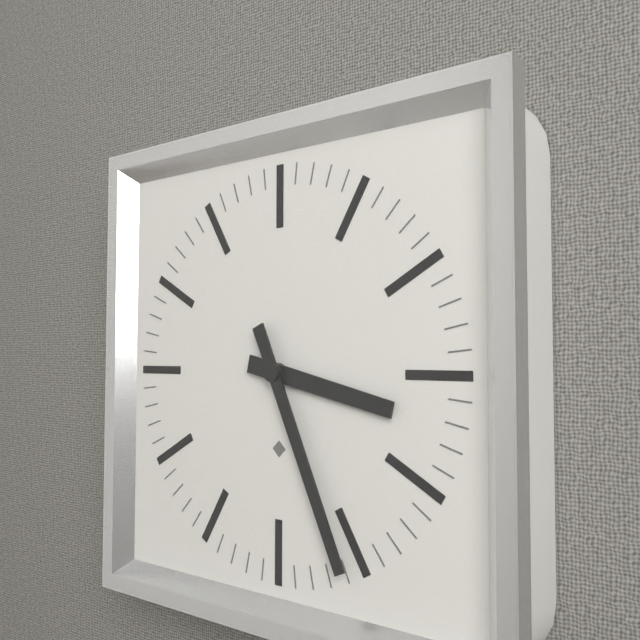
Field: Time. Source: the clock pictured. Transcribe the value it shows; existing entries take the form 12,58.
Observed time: 3,26
